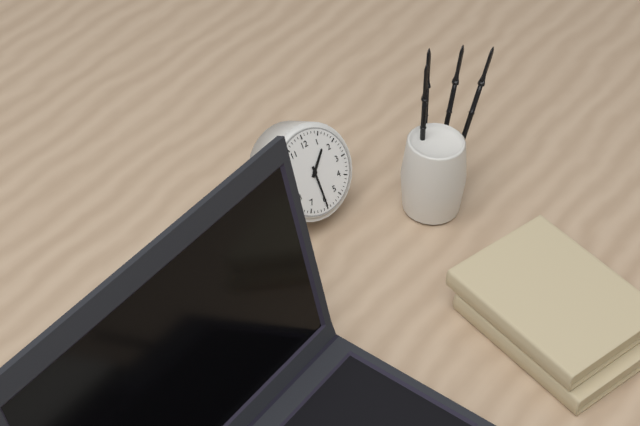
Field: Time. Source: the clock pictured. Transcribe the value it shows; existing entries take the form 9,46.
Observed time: 1,30
